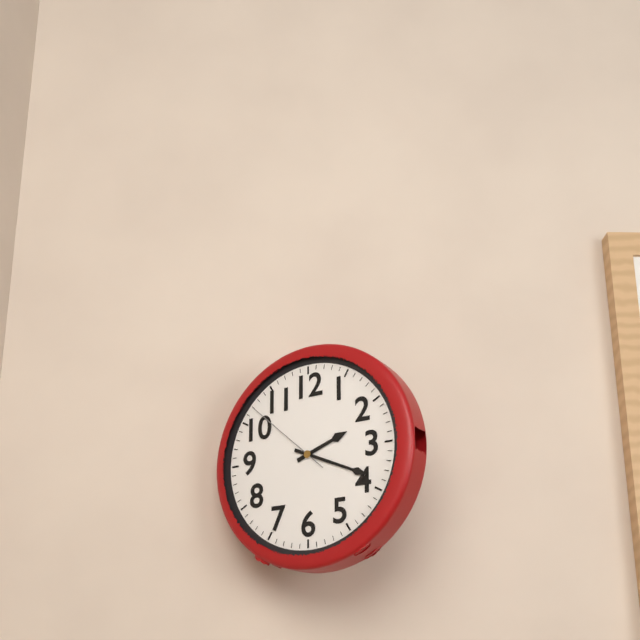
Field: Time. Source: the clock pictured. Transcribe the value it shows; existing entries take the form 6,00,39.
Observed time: 2,19,52
